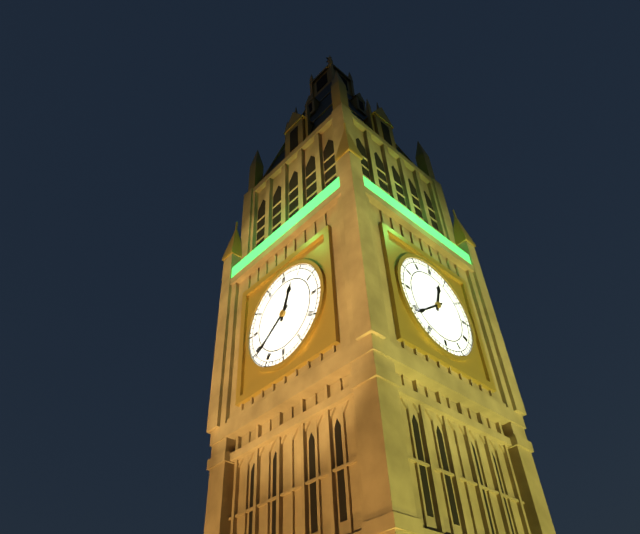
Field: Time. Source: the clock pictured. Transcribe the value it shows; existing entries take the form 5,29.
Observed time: 12,39
